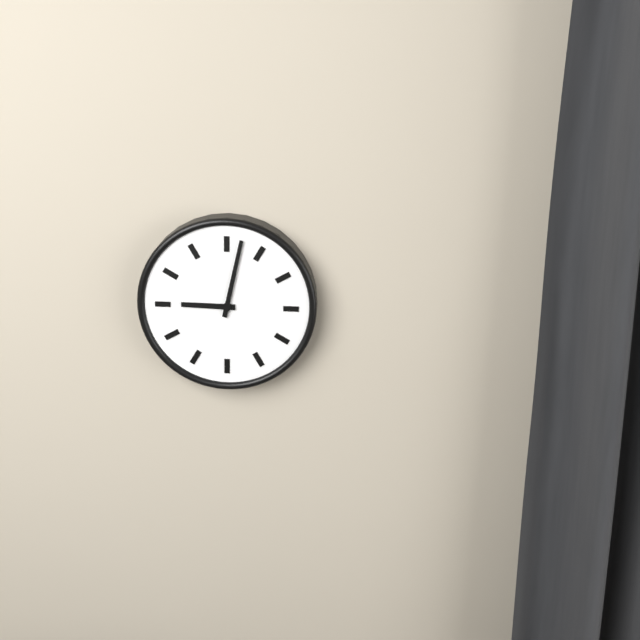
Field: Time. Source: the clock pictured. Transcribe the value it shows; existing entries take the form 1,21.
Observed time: 9,02
